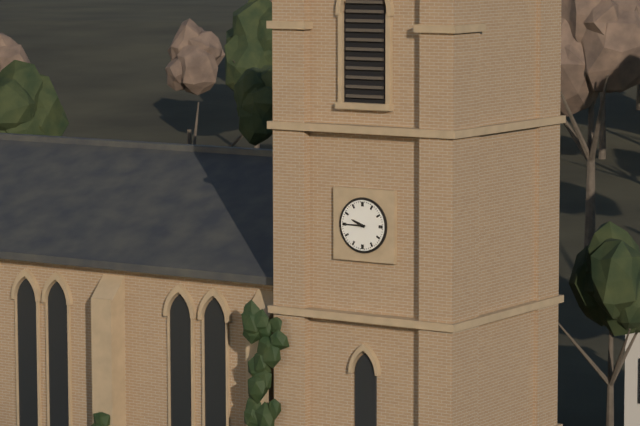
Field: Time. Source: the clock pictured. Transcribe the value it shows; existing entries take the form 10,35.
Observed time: 9,45
